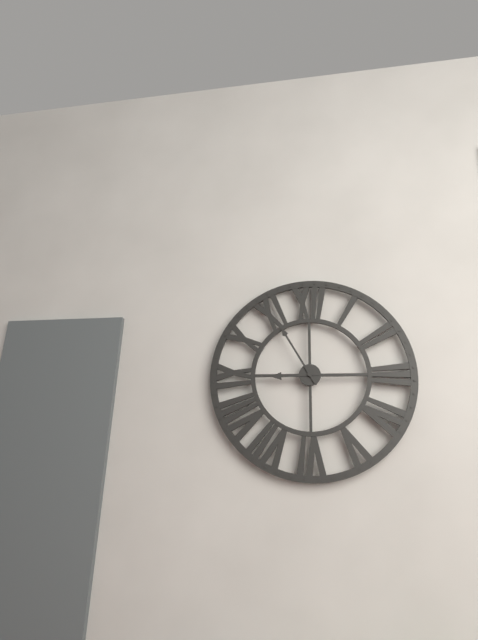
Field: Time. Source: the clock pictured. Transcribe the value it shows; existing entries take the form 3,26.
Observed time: 8,55
